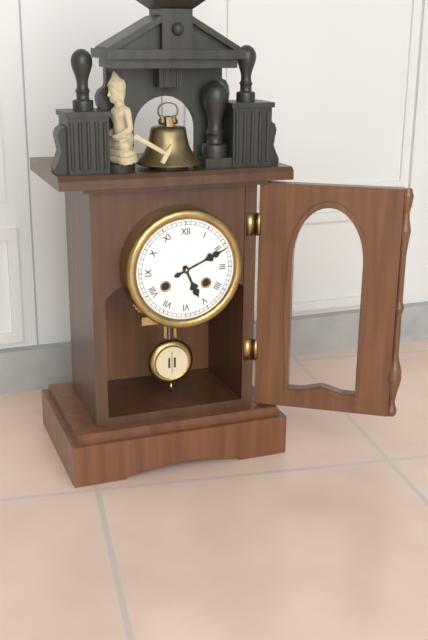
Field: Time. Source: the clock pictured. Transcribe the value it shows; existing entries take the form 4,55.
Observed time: 5,11
